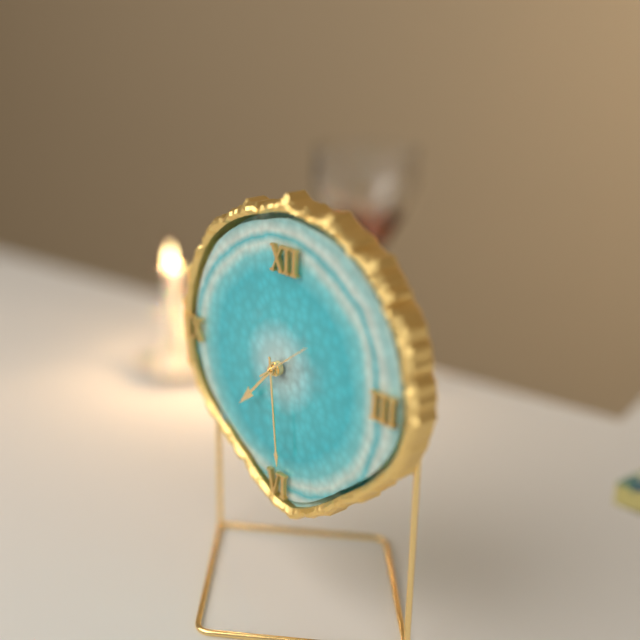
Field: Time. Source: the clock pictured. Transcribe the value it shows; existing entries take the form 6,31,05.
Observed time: 7,29,09
